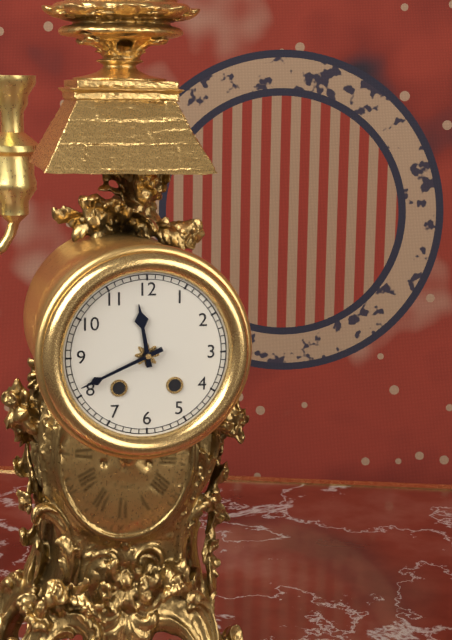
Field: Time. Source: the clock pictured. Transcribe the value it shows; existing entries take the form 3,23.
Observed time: 11,41
